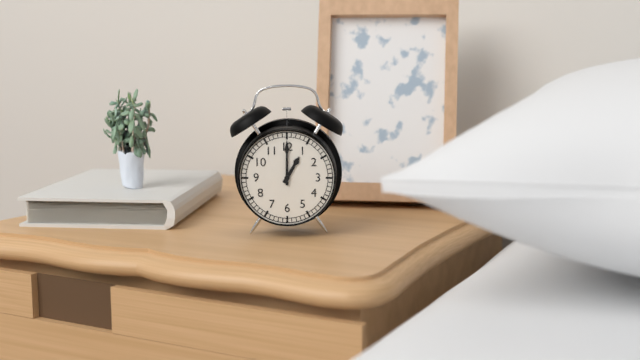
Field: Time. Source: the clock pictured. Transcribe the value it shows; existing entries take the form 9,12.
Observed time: 1,00
